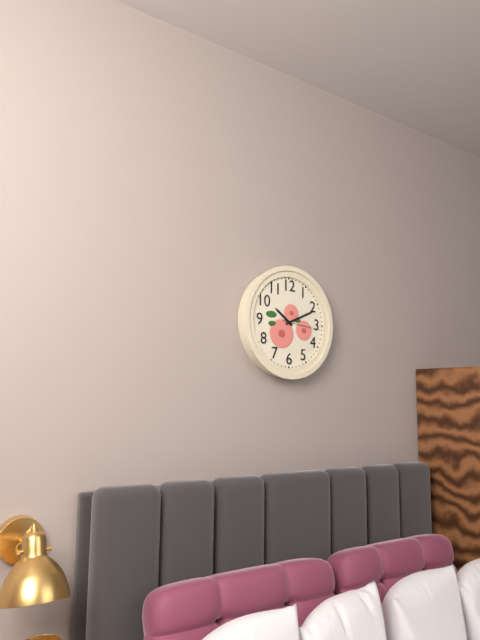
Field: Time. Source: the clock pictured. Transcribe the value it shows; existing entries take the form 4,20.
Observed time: 10,11
